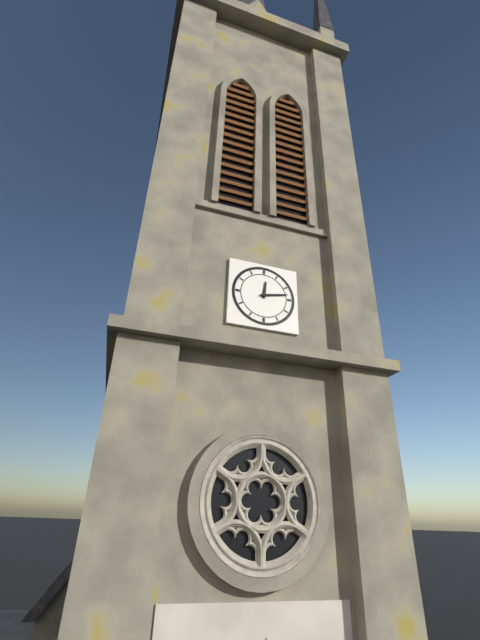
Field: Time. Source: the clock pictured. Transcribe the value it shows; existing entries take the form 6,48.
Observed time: 12,13
